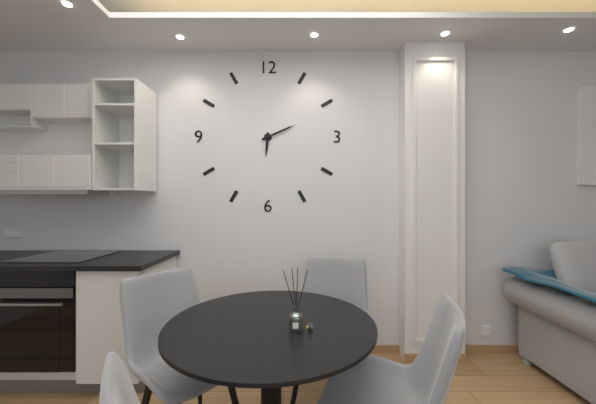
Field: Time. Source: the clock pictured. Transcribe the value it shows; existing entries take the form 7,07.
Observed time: 6,11
